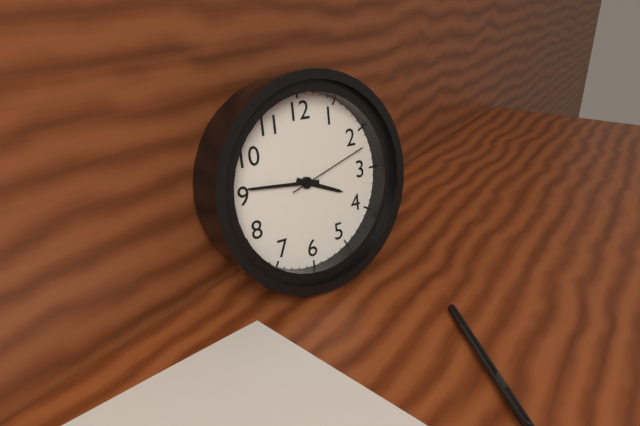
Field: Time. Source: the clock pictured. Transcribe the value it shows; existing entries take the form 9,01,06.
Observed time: 3,46,12
